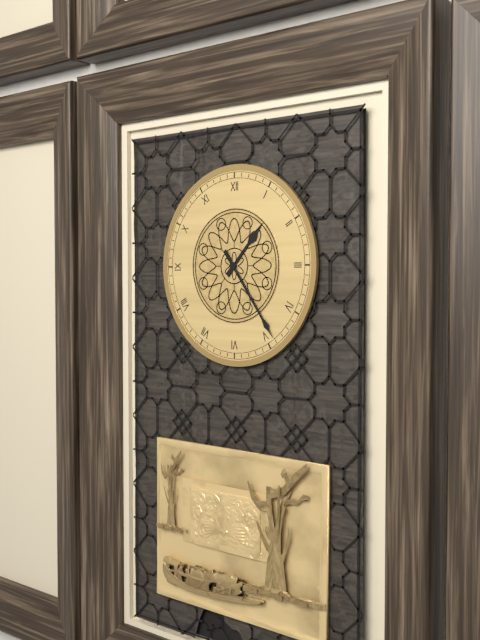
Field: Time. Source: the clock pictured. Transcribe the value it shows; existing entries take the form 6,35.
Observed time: 1,24
